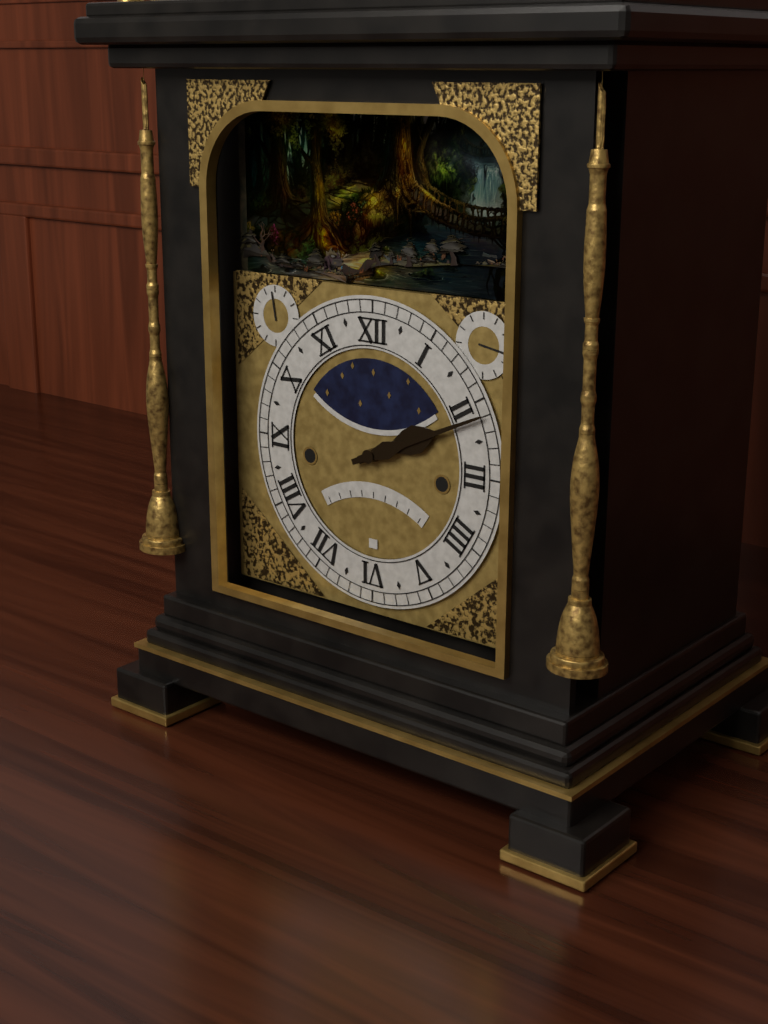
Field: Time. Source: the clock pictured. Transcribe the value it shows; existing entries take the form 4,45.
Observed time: 2,11
